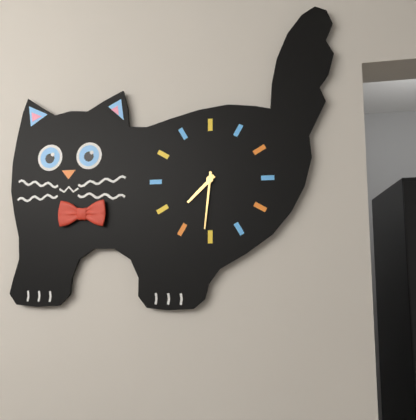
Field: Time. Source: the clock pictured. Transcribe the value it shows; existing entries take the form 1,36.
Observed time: 7,31
